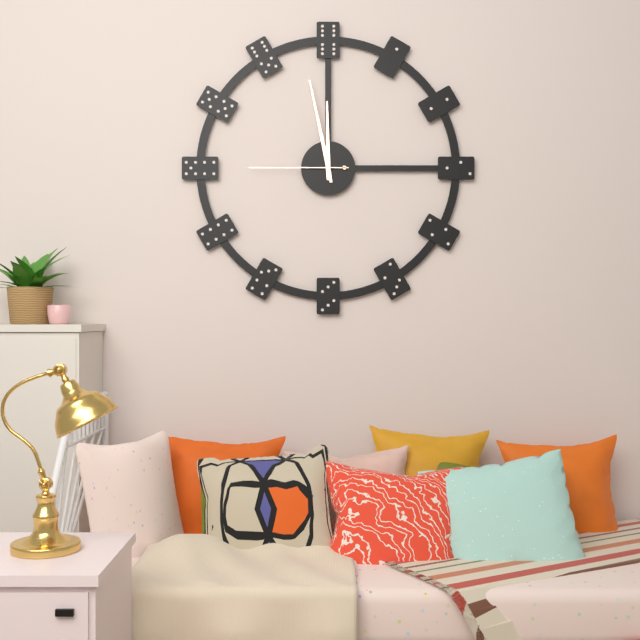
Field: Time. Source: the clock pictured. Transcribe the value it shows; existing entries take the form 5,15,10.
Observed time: 11,58,45
